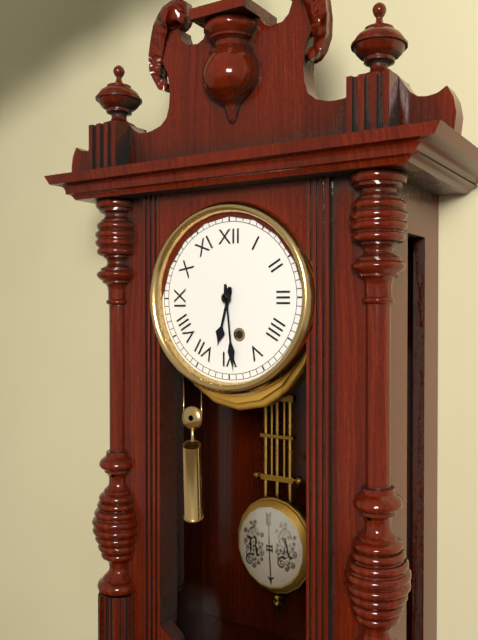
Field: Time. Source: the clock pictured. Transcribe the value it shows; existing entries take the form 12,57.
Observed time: 6,29
